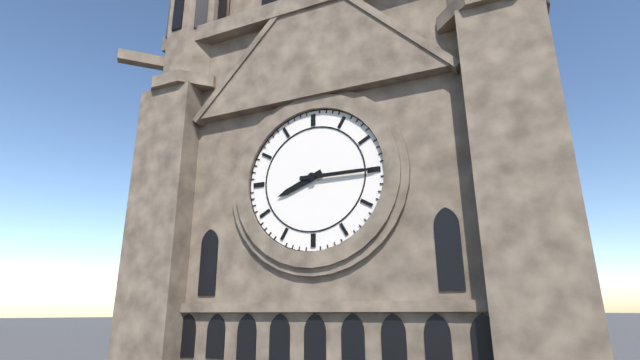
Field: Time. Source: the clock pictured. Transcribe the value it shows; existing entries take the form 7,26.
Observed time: 8,15
